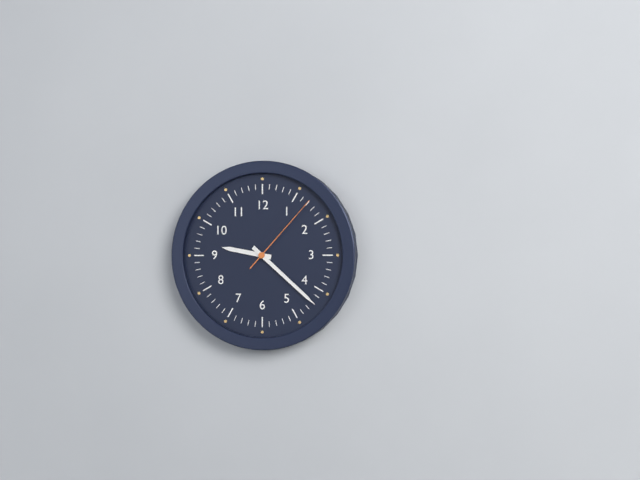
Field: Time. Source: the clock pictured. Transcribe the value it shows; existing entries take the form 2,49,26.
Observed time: 9,22,07
